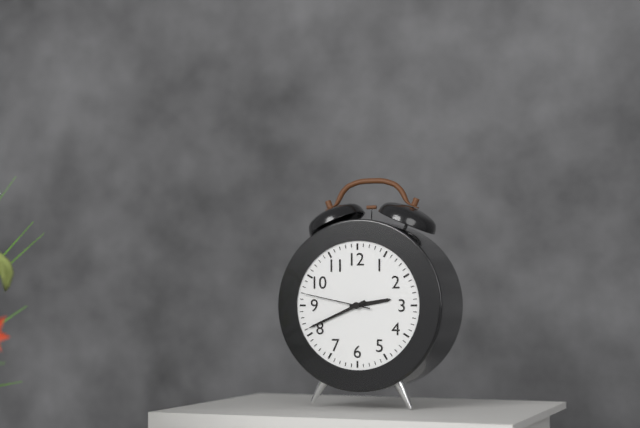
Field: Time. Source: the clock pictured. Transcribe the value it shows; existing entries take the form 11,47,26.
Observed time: 2,41,47
